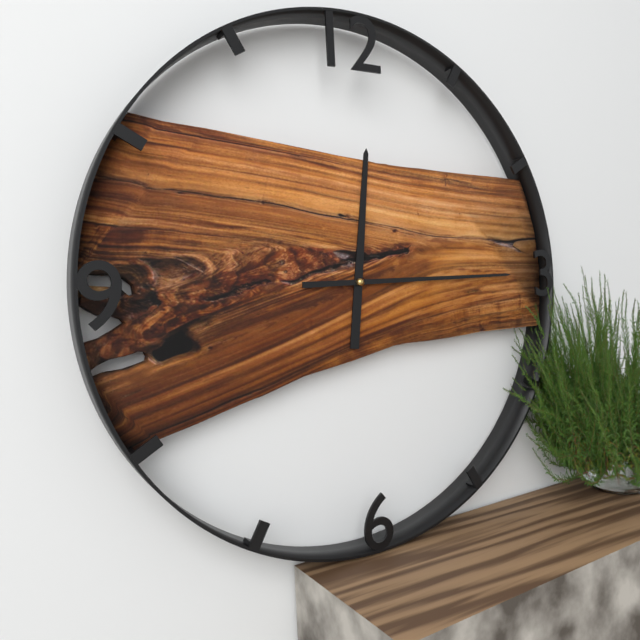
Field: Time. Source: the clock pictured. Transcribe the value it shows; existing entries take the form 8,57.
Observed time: 12,15
